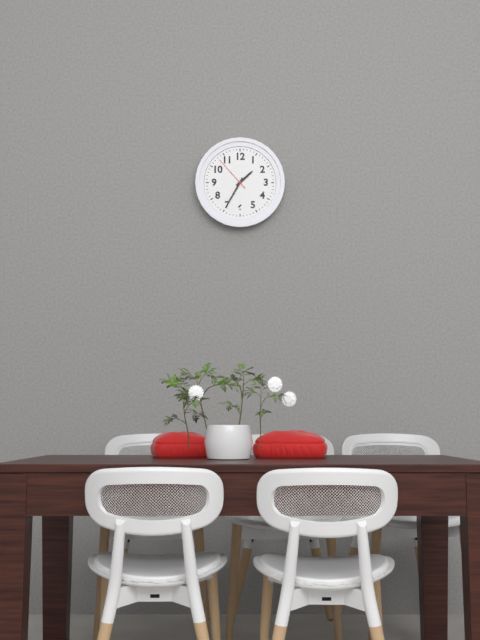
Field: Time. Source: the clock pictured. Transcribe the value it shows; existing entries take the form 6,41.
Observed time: 1,35
